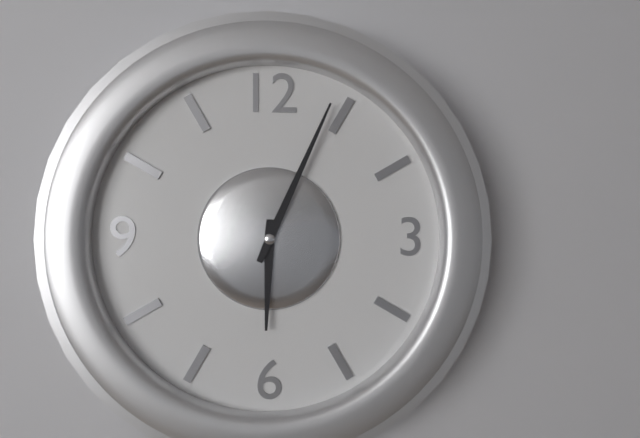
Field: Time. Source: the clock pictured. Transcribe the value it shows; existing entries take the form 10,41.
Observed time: 6,04
